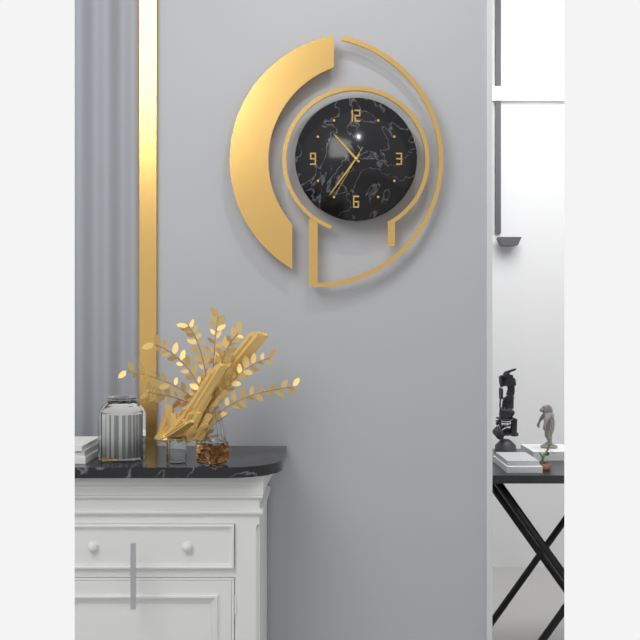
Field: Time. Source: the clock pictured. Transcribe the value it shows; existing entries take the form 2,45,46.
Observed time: 10,36,35
